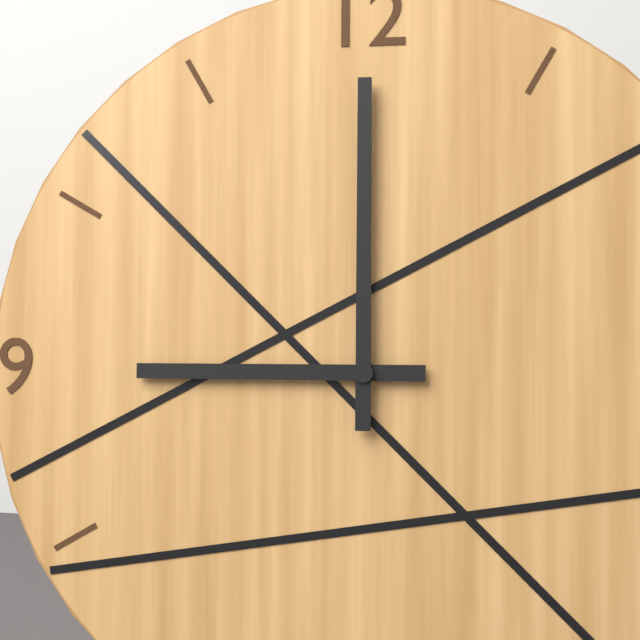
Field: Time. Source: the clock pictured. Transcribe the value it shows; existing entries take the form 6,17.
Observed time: 9,00
